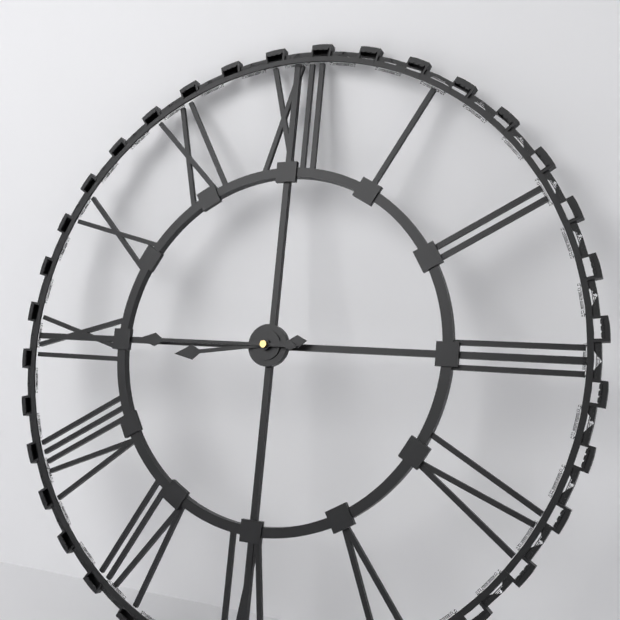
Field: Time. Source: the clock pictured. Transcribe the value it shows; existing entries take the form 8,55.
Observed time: 8,45
